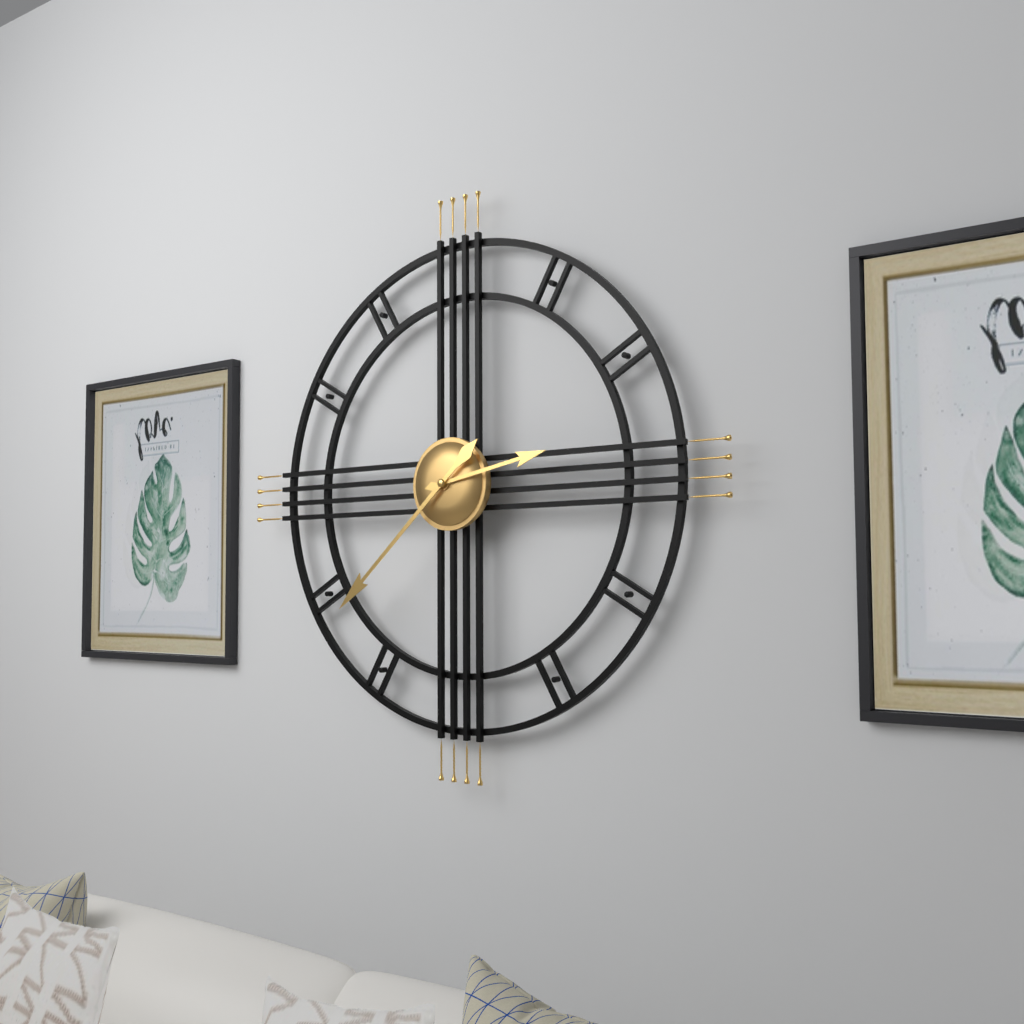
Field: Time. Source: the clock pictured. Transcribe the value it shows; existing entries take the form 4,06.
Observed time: 2,38
